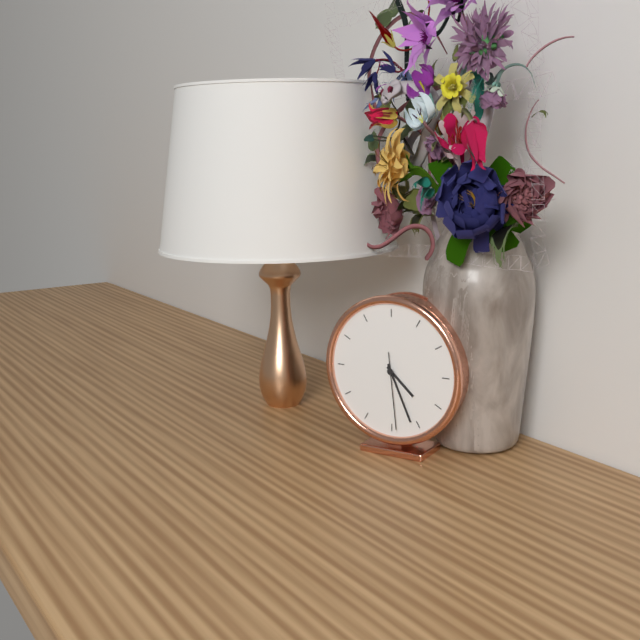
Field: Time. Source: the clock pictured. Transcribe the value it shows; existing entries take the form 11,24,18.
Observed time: 4,26,29
